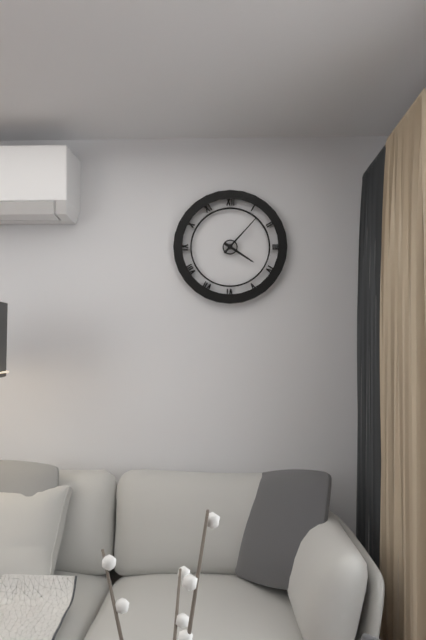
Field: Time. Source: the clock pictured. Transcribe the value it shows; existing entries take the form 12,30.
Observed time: 4,07
